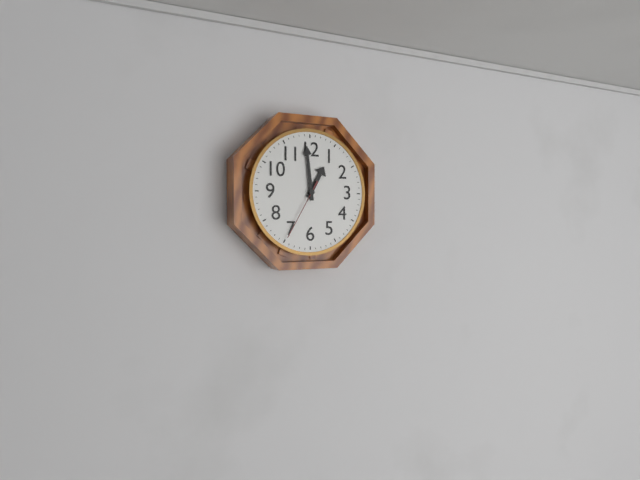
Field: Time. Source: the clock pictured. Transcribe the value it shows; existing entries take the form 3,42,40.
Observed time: 12,59,35
